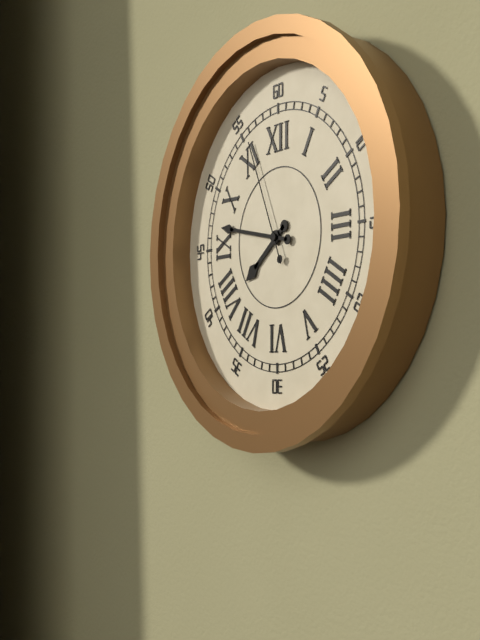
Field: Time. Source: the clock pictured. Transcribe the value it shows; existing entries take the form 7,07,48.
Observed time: 7,47,56
